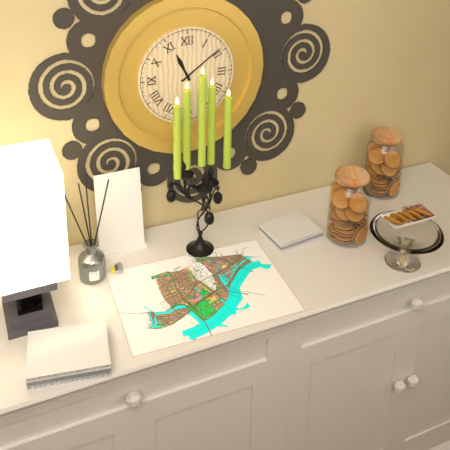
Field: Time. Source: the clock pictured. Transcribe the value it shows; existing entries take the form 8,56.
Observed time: 11,09
